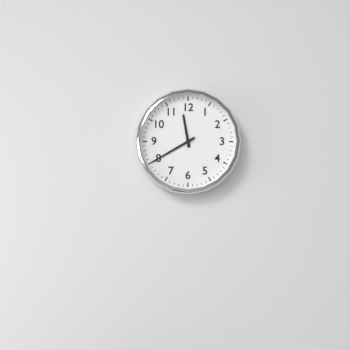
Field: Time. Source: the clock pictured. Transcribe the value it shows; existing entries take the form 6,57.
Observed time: 11,40
